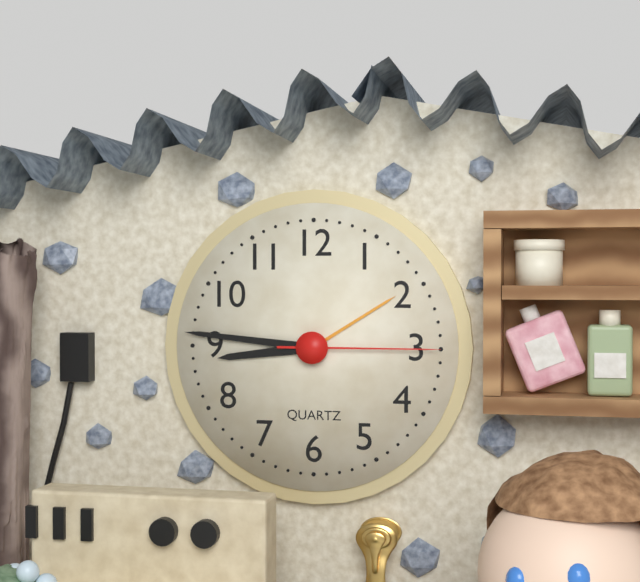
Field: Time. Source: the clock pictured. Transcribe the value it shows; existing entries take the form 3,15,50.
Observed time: 8,46,15
